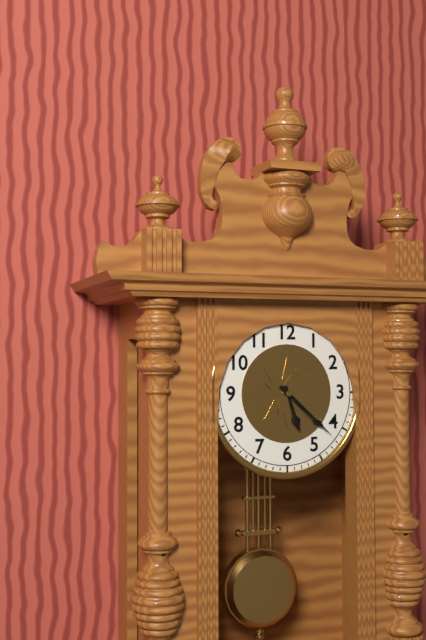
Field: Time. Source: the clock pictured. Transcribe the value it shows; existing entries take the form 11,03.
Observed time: 5,22
